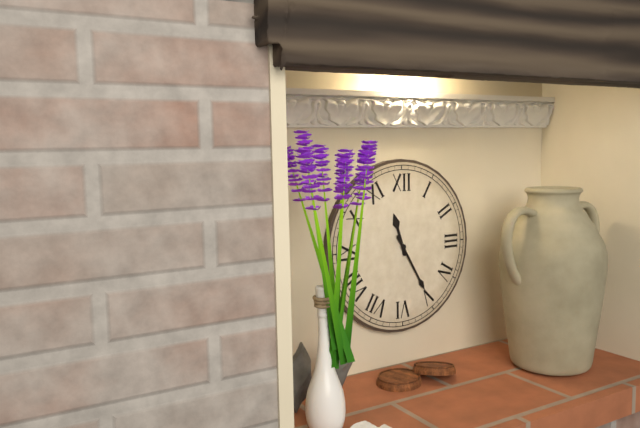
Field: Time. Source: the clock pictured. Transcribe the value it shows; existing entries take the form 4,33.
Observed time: 11,25
